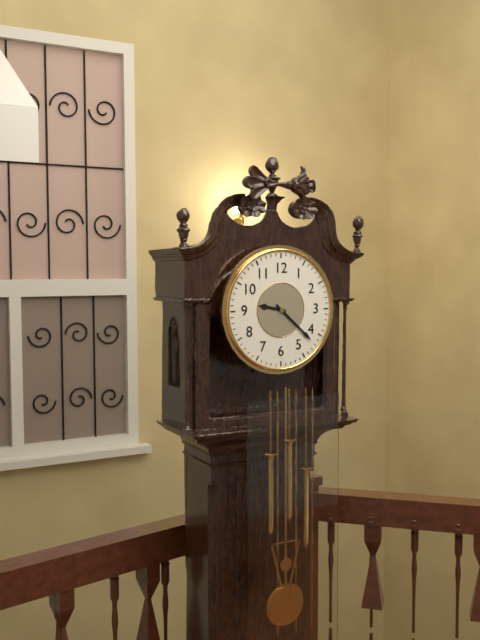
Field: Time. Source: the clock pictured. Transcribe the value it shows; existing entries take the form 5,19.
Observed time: 9,22
